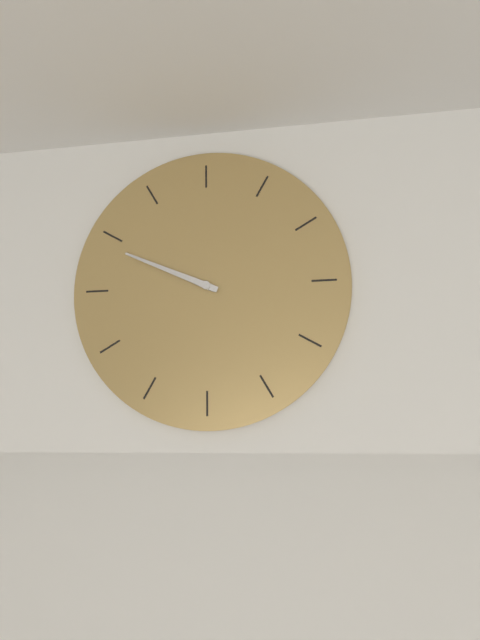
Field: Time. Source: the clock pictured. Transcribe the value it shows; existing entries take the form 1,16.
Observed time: 9,49
